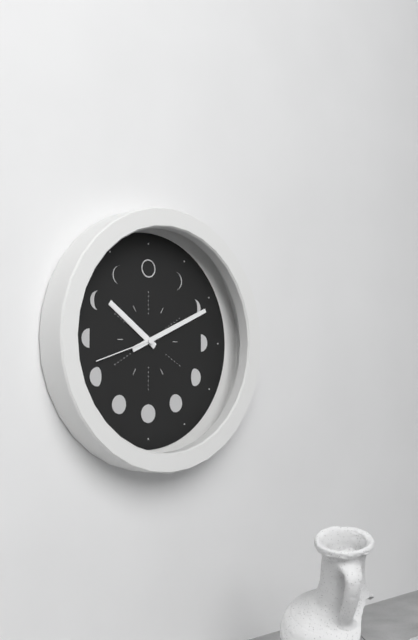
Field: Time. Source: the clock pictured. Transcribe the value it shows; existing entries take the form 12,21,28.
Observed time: 10,11,42
